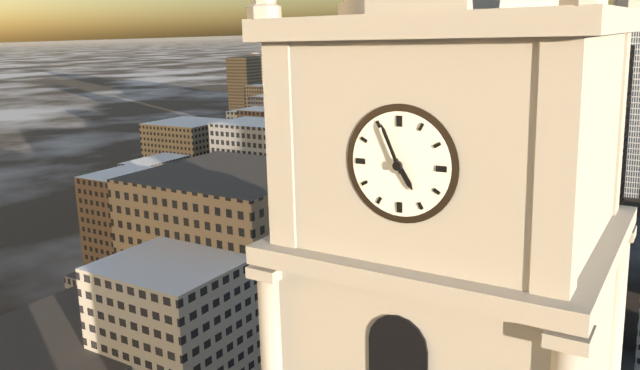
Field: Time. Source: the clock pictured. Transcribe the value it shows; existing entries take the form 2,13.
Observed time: 4,56
